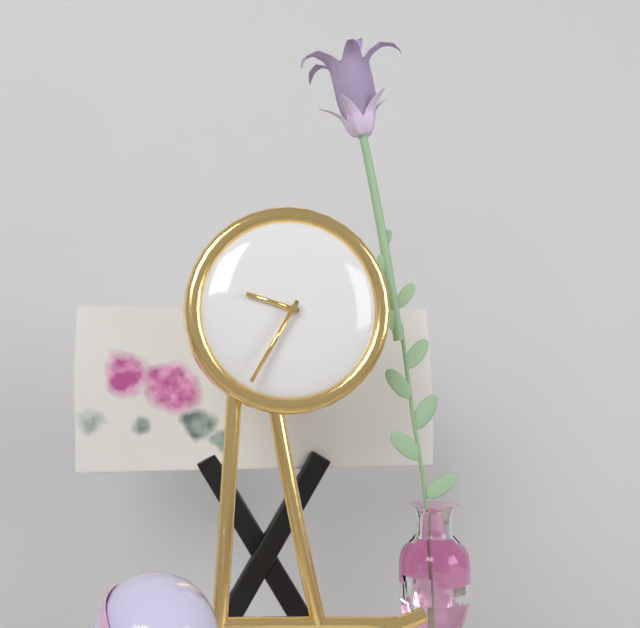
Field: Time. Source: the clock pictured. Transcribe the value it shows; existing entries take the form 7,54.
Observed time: 9,35
